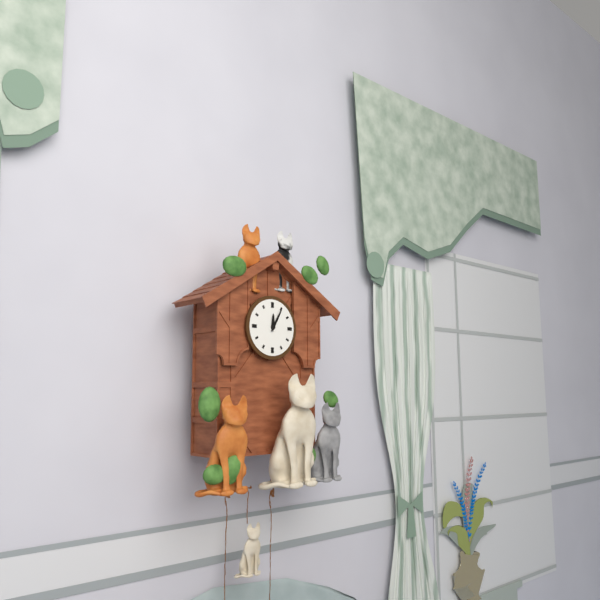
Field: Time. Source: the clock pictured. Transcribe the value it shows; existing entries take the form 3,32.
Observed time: 12,05
